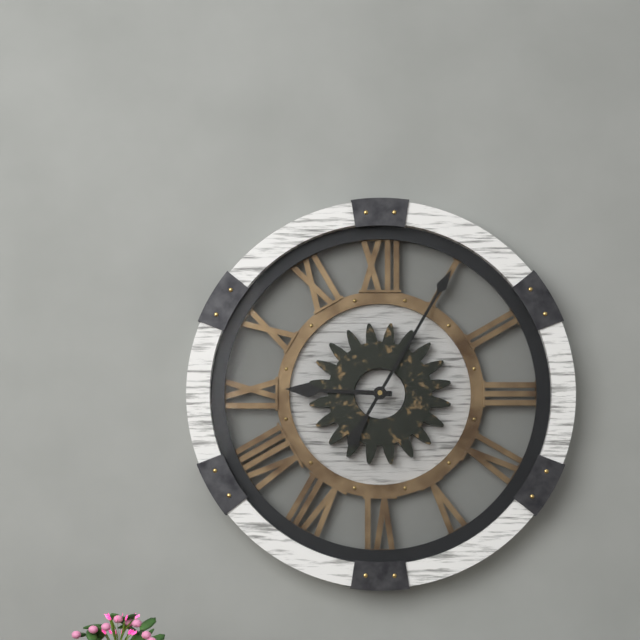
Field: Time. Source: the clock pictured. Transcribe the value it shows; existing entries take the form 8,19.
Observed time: 9,05
